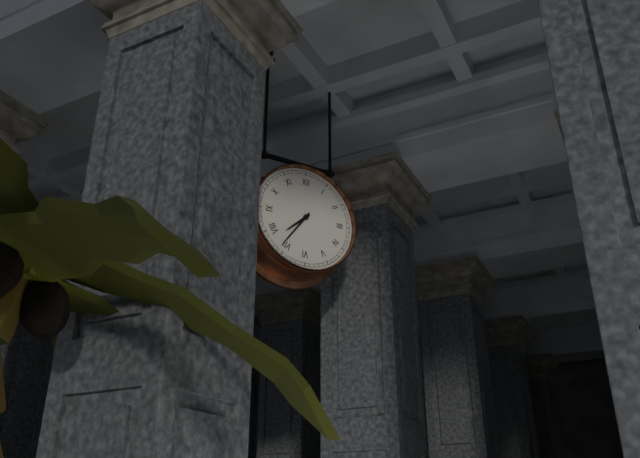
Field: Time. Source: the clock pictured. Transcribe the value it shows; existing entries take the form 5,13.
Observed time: 7,36
